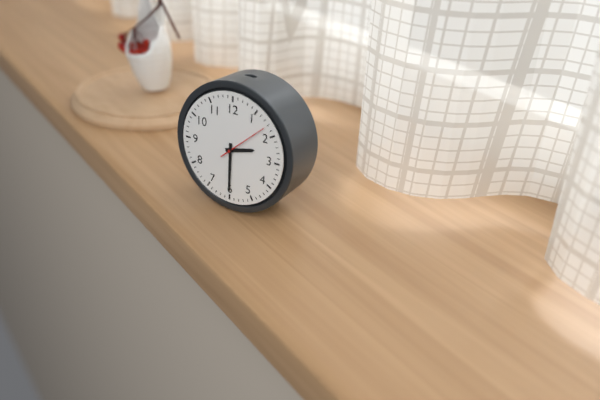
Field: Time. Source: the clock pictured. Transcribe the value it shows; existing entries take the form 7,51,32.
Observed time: 2,30,08
